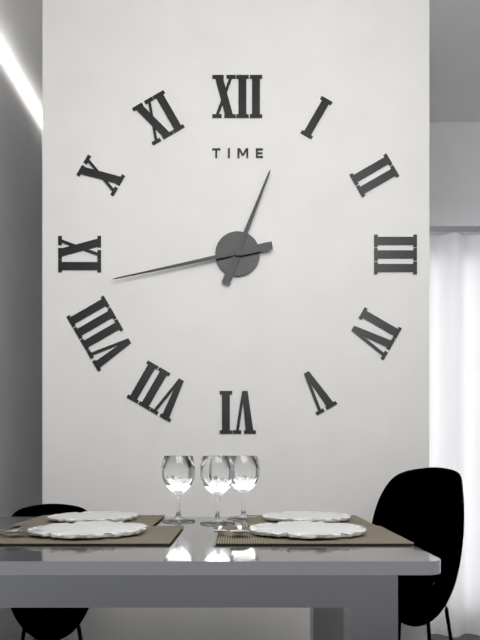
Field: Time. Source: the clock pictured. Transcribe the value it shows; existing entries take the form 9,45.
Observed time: 12,43
